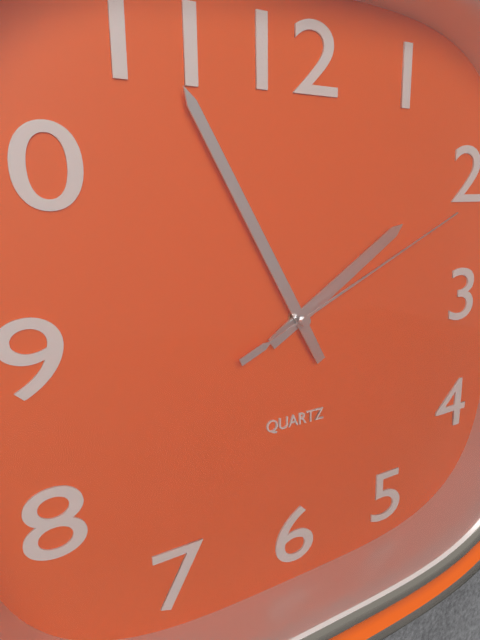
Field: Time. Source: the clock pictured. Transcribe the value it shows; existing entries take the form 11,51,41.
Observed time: 1,55,11
